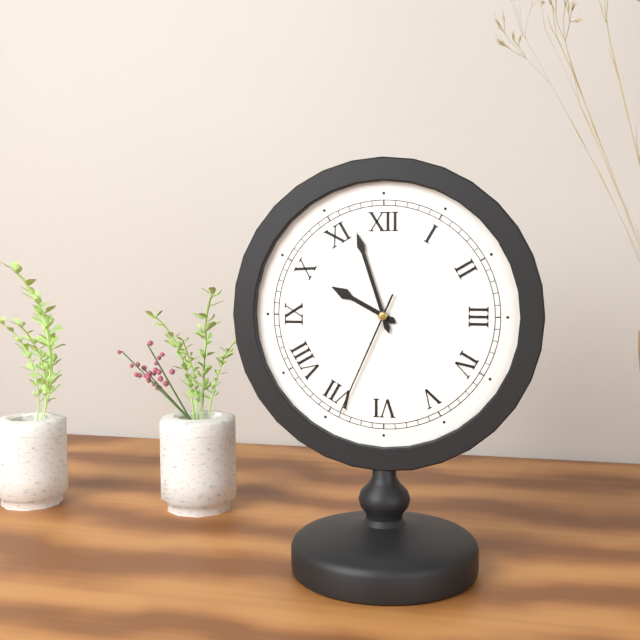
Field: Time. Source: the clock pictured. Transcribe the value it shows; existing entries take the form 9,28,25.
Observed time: 9,57,34
